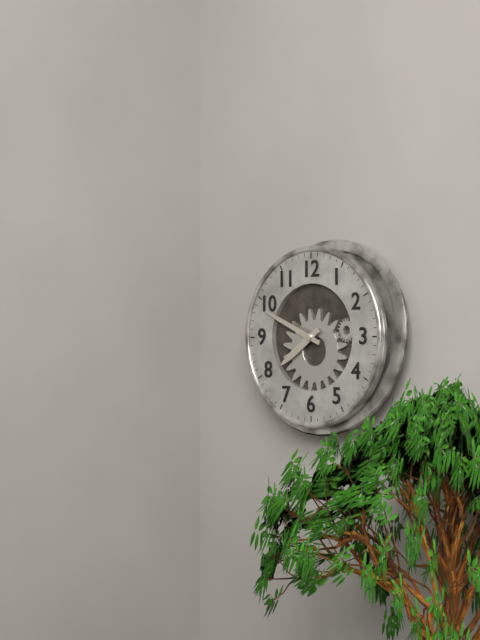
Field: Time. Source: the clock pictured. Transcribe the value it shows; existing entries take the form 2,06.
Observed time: 7,49
